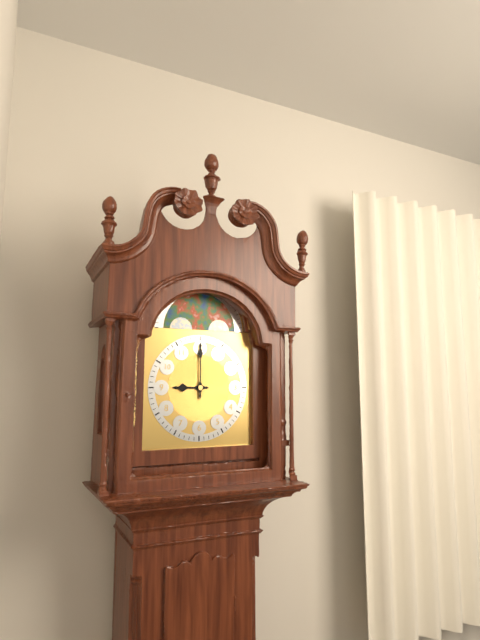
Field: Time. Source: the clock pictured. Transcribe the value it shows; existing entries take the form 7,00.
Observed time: 9,00
